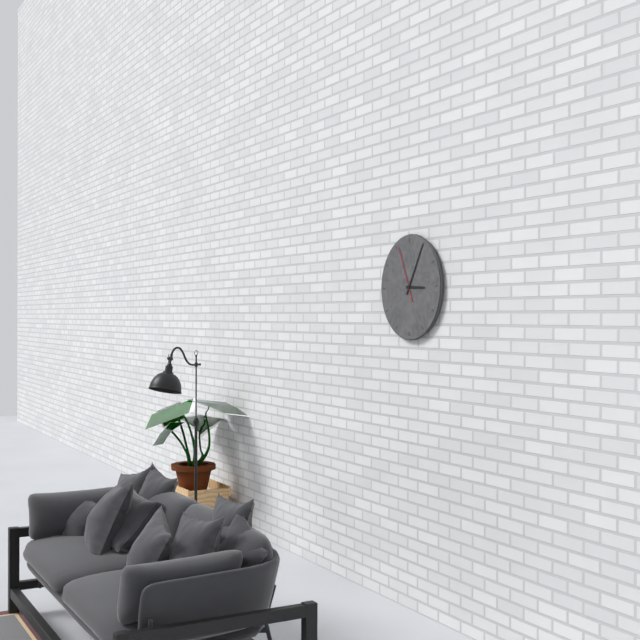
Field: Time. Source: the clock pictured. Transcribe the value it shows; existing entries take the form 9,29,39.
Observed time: 3,05,56
